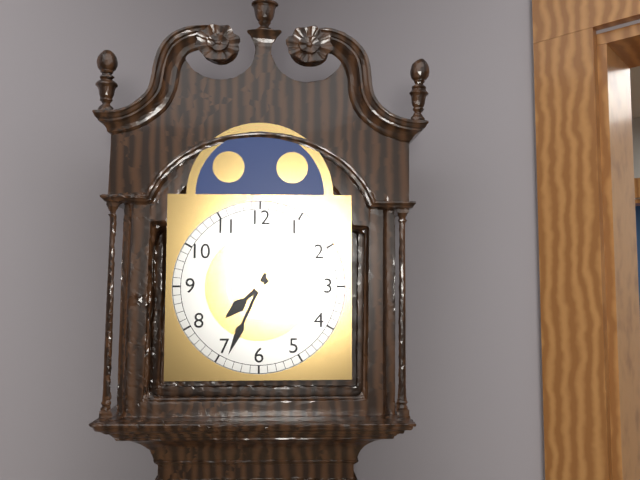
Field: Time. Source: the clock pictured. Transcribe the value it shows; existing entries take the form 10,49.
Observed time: 7,34
